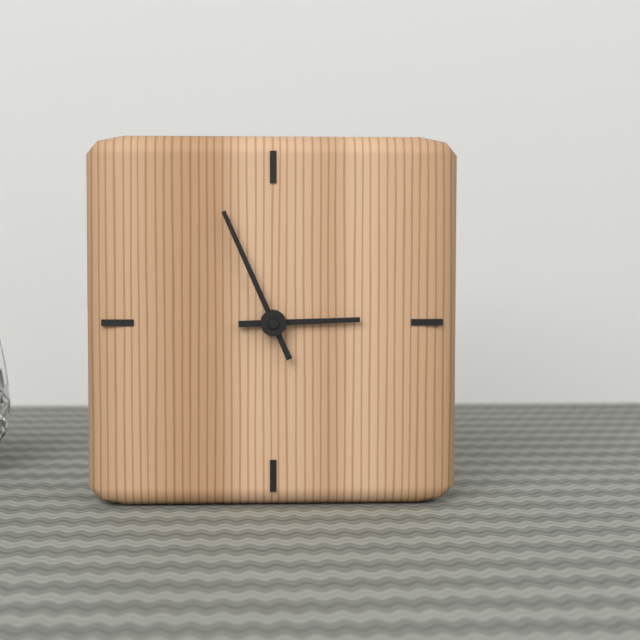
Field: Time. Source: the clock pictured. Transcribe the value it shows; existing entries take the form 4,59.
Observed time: 2,56
